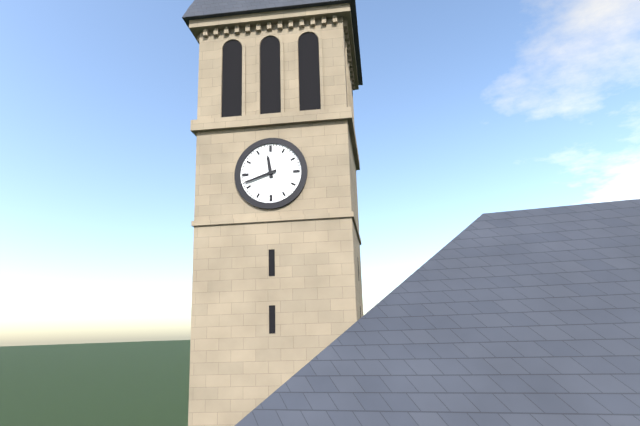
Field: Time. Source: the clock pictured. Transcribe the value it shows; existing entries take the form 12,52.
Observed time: 11,42
